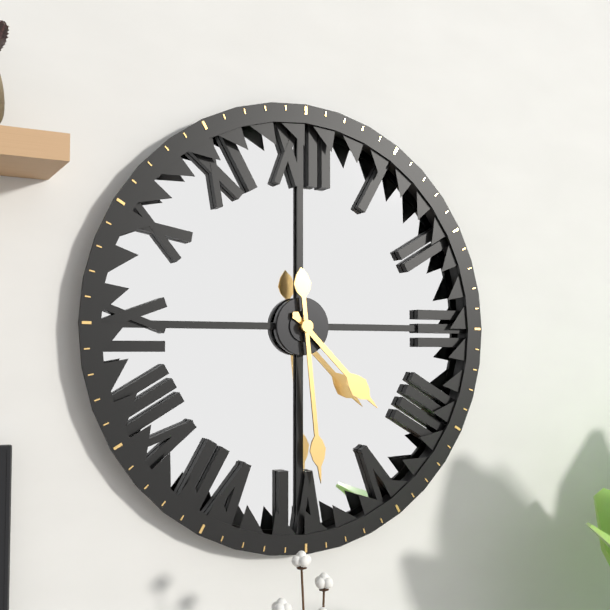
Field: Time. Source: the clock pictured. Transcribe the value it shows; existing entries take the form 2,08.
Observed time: 4,29
